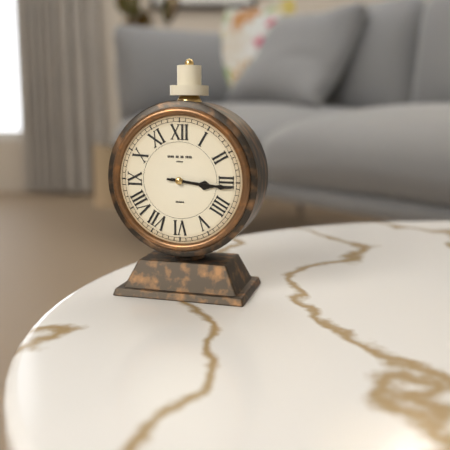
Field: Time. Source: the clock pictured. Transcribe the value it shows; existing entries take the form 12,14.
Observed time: 3,16
